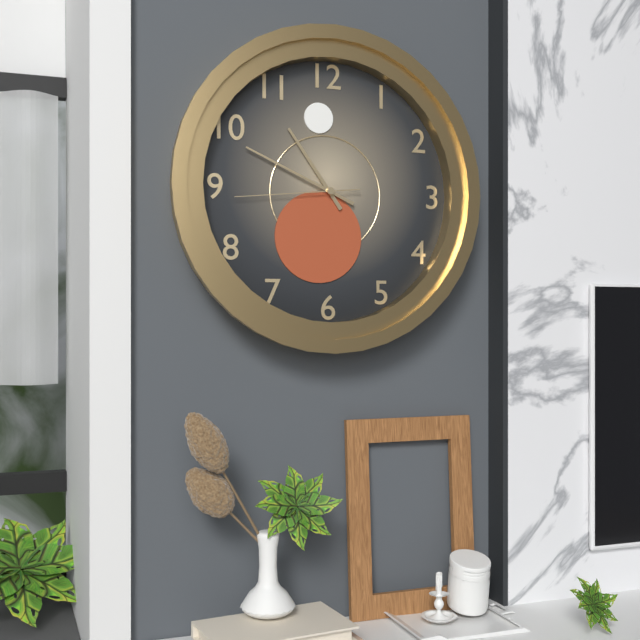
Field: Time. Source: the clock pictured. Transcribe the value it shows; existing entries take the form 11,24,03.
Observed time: 10,49,44
